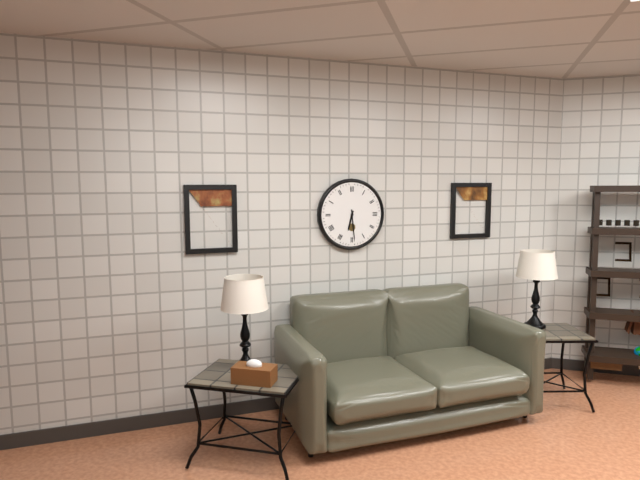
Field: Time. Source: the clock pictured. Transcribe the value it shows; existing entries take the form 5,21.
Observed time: 6,29
